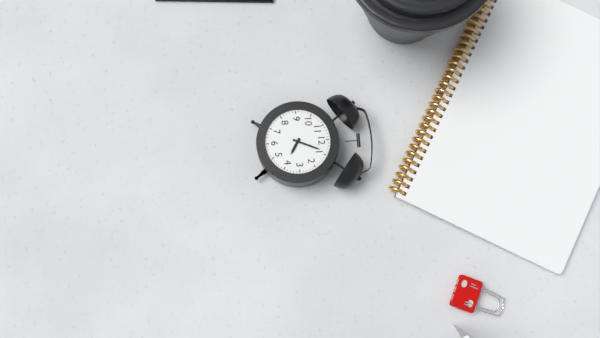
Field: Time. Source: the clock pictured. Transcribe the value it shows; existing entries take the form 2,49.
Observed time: 4,04
